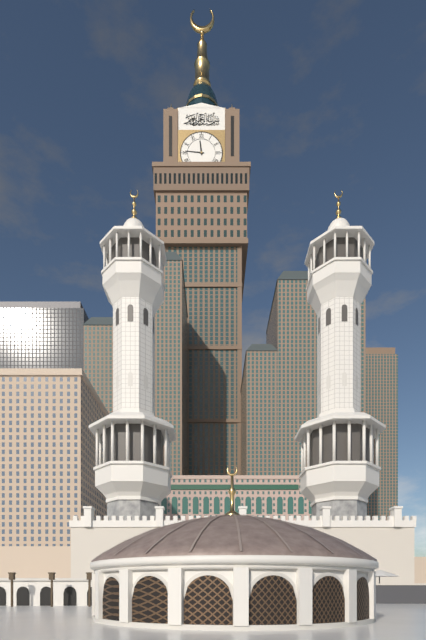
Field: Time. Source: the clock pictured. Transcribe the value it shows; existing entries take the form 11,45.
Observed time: 11,46
